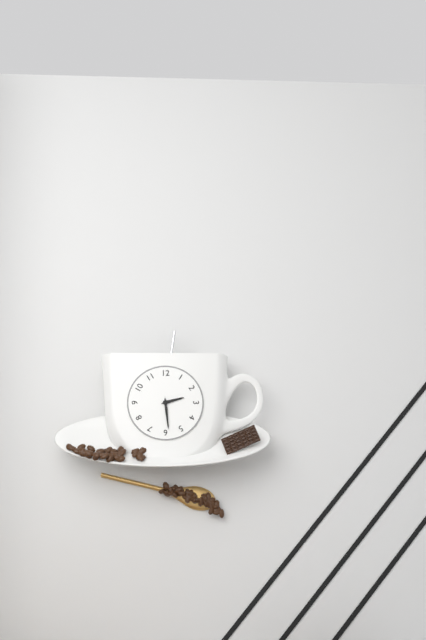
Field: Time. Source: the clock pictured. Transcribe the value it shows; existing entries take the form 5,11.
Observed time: 2,29
